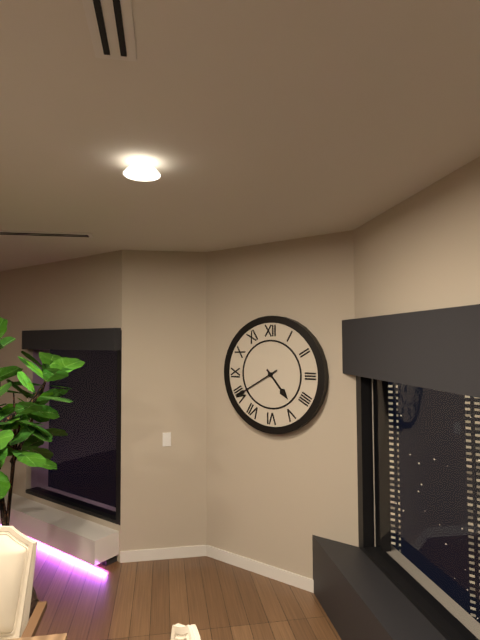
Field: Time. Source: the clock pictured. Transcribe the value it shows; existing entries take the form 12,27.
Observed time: 4,40
